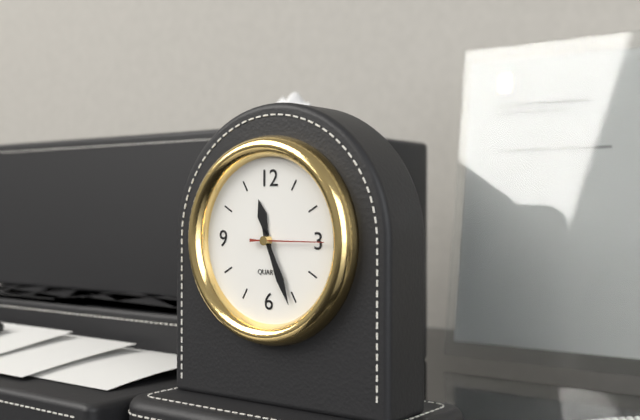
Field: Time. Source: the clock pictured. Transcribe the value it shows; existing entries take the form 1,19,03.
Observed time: 11,26,15
